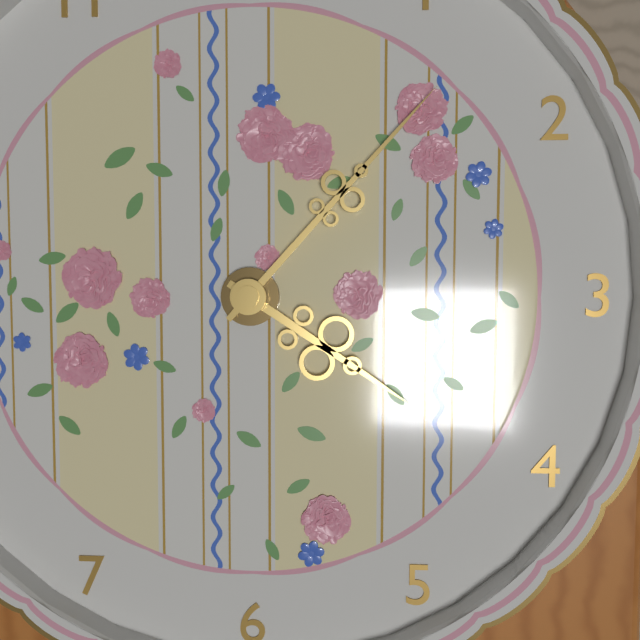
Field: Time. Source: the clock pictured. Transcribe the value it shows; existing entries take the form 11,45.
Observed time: 4,07
